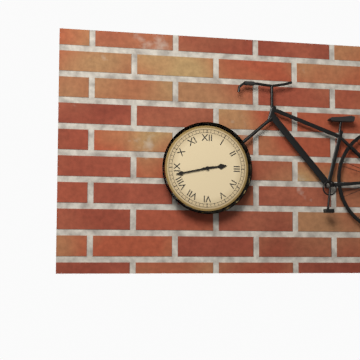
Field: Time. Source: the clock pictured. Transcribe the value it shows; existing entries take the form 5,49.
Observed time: 2,43
